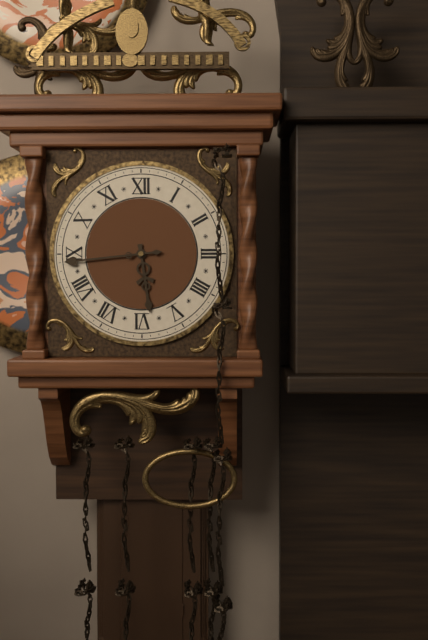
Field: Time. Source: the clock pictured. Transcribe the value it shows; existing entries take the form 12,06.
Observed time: 5,44
